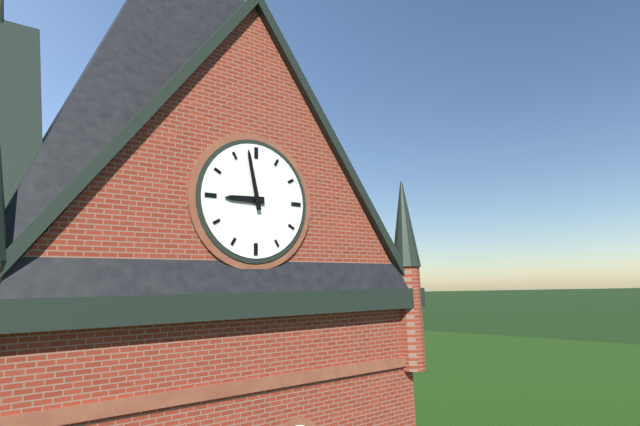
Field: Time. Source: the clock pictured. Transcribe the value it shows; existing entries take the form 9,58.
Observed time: 8,58
